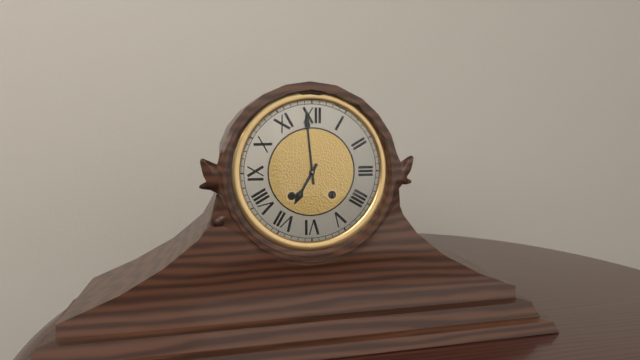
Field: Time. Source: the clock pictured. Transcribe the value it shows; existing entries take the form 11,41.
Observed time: 6,59
